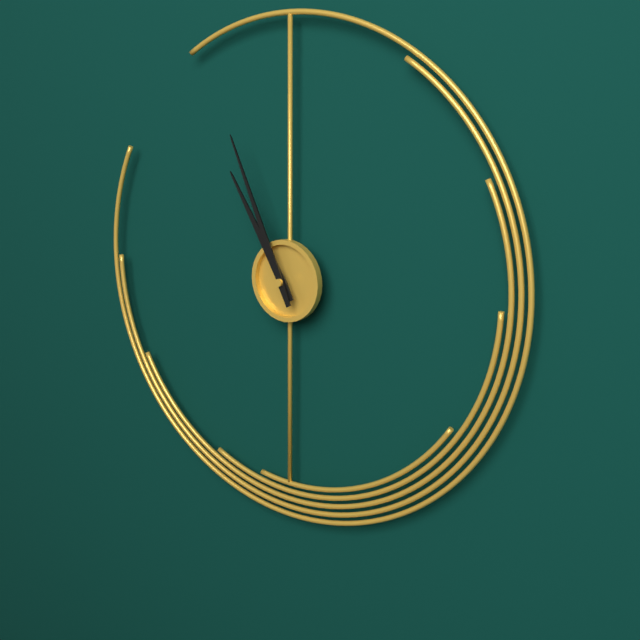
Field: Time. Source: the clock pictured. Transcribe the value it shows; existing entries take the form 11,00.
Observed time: 10,56
